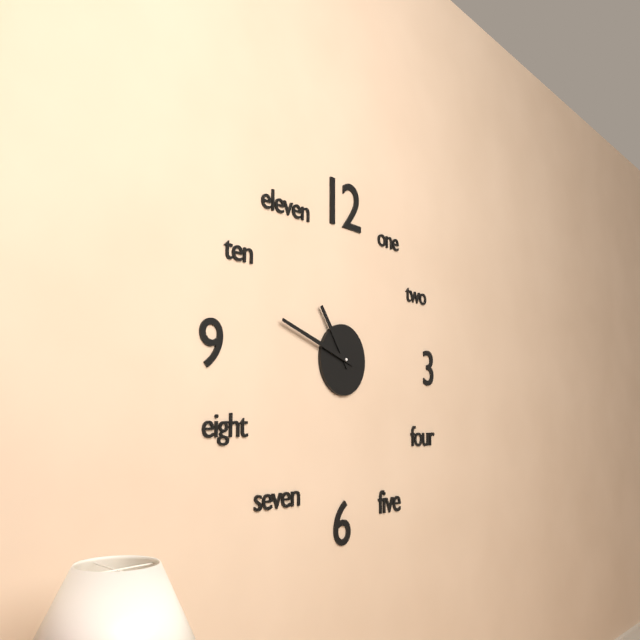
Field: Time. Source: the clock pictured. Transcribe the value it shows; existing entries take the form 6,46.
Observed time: 10,48
